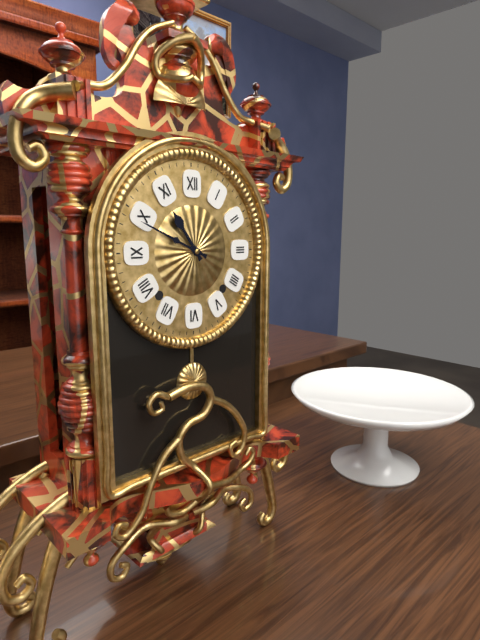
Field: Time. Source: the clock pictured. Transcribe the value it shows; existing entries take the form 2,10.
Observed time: 10,49
